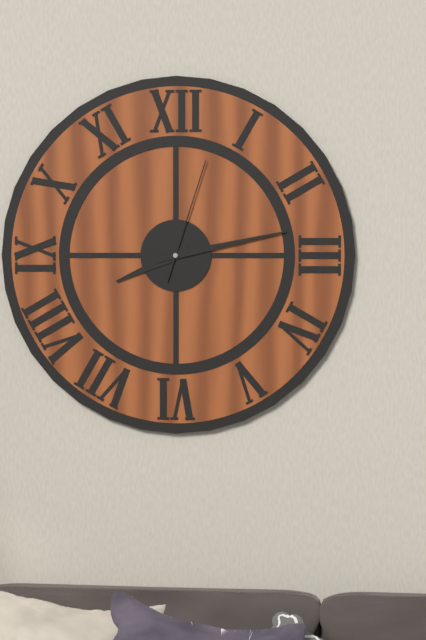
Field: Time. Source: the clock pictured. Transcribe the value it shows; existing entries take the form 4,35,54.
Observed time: 8,13,03
